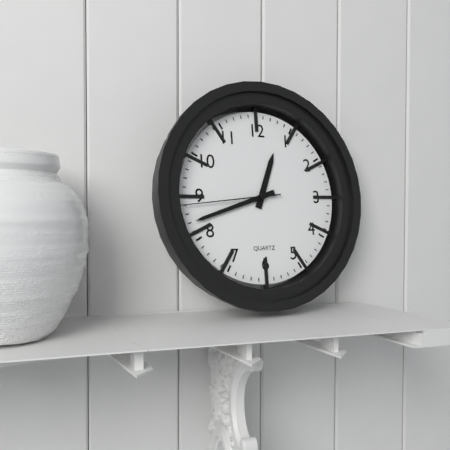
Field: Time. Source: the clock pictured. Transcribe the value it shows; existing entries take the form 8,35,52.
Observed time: 12,42,44
